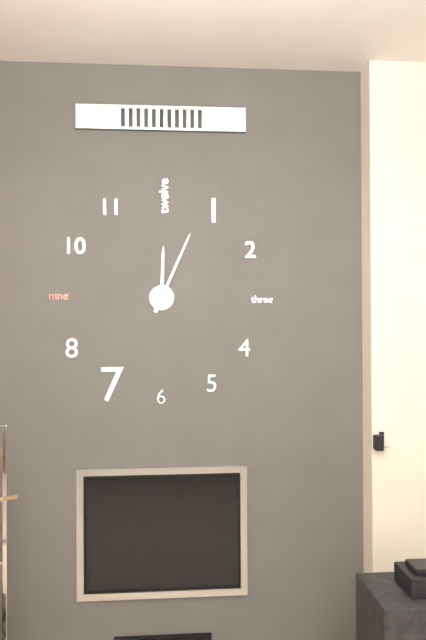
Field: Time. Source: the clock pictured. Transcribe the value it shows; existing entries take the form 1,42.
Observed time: 12,04
